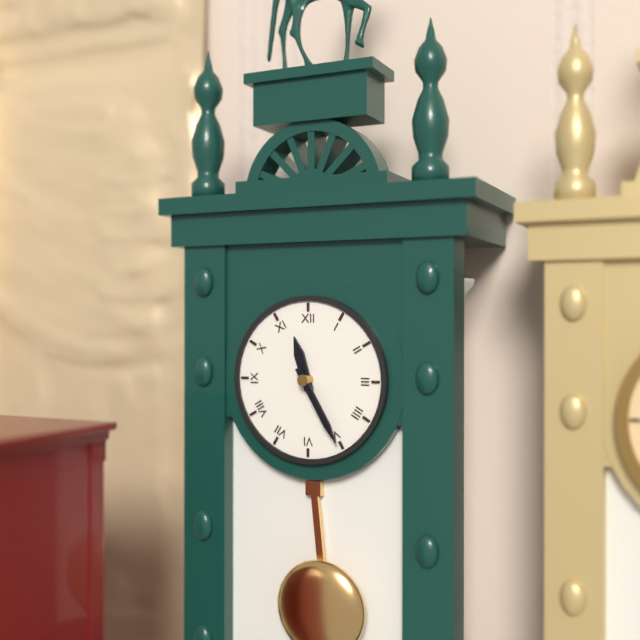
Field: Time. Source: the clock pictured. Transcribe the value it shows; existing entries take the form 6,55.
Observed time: 11,25
